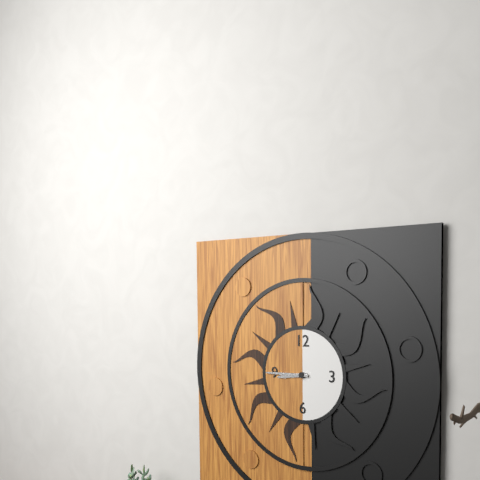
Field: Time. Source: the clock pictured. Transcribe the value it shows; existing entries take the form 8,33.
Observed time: 8,45
